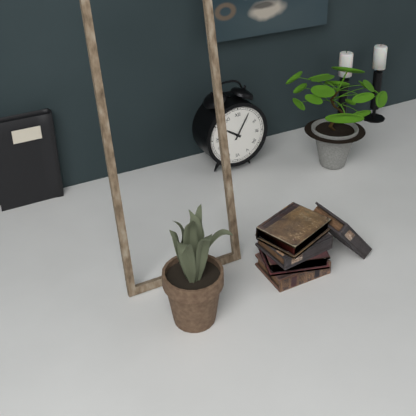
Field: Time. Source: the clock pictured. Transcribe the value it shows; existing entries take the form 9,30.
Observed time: 10,05
